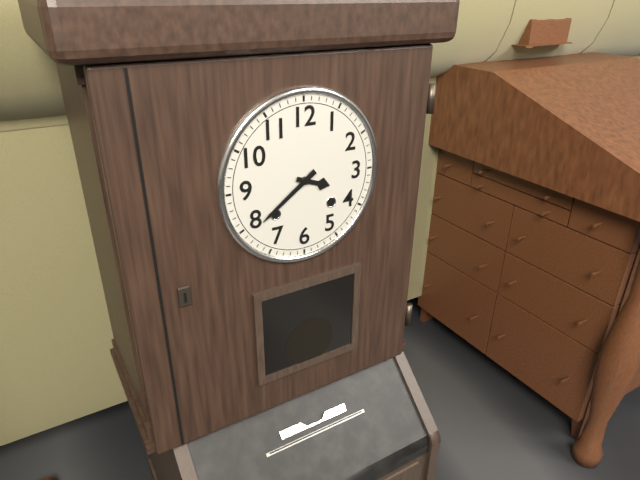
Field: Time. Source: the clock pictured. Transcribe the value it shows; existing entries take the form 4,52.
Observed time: 3,39
